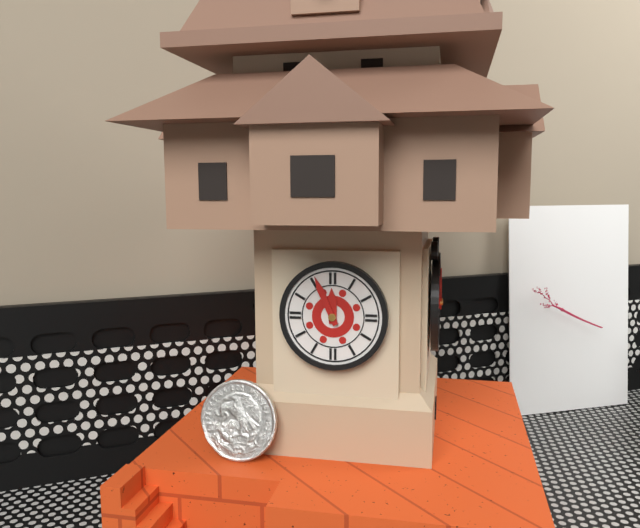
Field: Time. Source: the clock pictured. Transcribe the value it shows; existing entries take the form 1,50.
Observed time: 11,56
